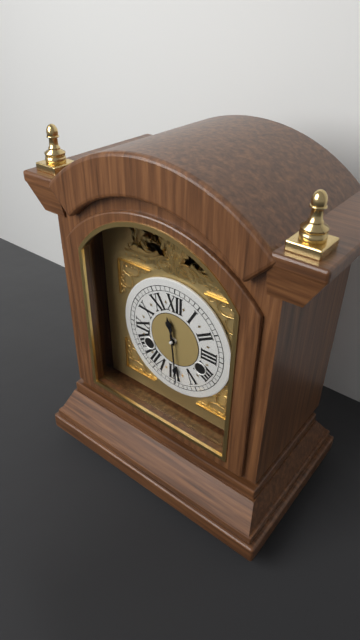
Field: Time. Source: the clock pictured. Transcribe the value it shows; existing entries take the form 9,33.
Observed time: 11,29
